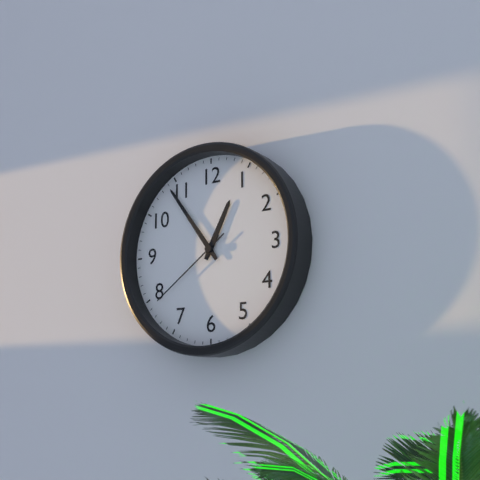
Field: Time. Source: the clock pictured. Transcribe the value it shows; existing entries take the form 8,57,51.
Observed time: 12,54,39
